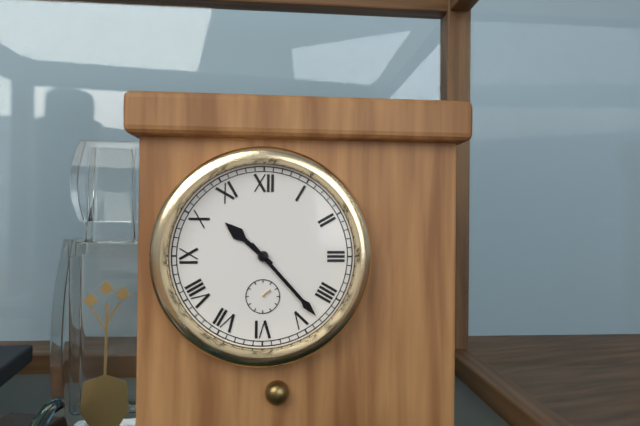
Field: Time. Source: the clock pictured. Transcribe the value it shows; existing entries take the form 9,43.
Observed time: 10,23
